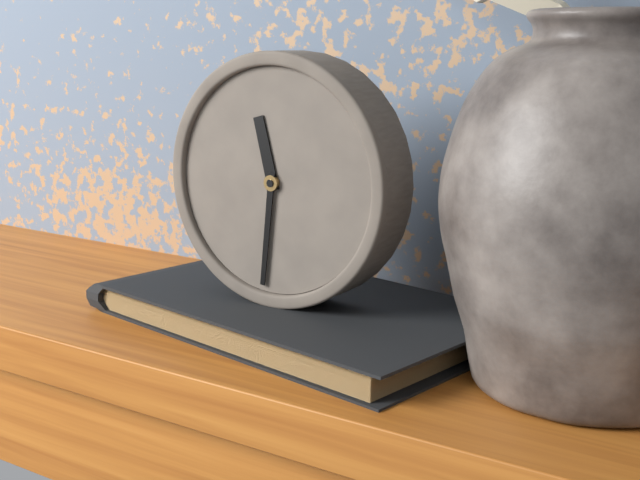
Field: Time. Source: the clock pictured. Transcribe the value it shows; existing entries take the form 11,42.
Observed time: 11,31
